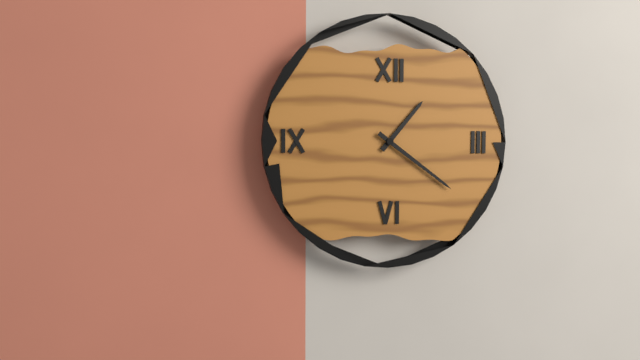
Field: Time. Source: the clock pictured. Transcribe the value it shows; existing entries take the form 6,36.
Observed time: 1,21
